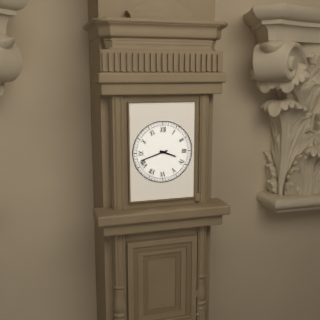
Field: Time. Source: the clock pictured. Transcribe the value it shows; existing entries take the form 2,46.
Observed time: 3,42
